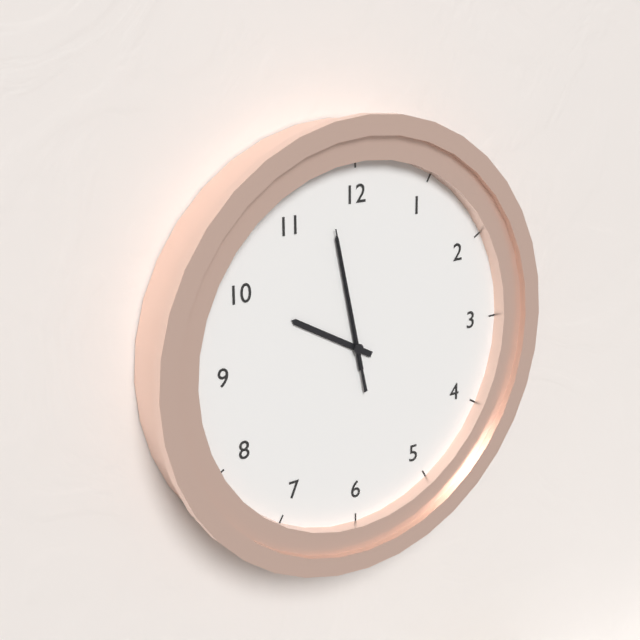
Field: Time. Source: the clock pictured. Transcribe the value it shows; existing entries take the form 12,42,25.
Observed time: 9,58,58
